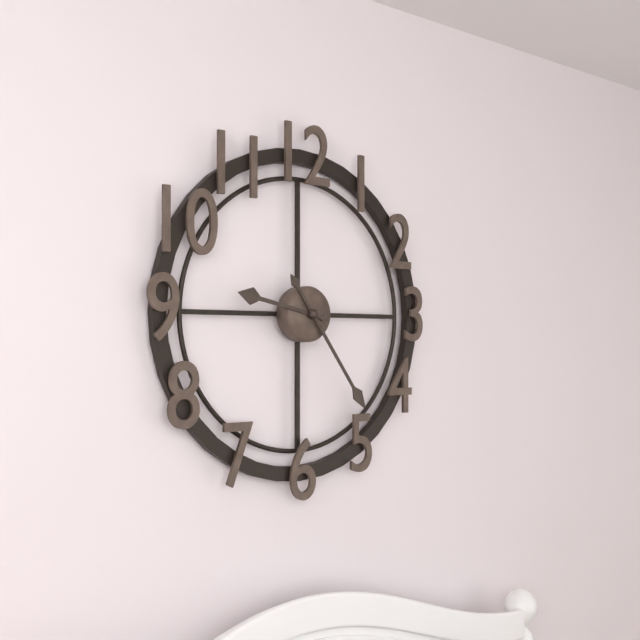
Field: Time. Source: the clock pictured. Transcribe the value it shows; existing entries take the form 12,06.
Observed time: 9,24
